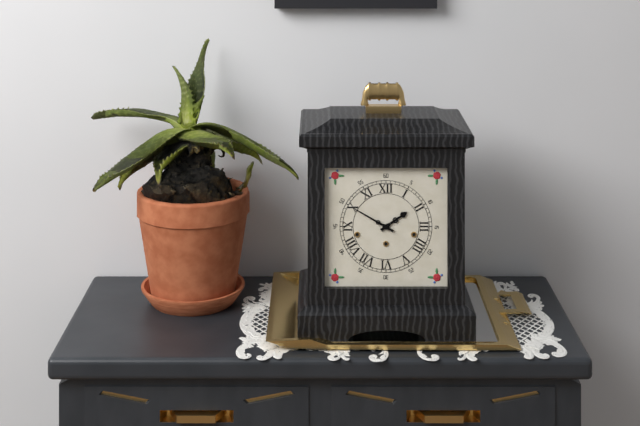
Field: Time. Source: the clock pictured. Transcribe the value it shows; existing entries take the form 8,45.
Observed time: 1,50
